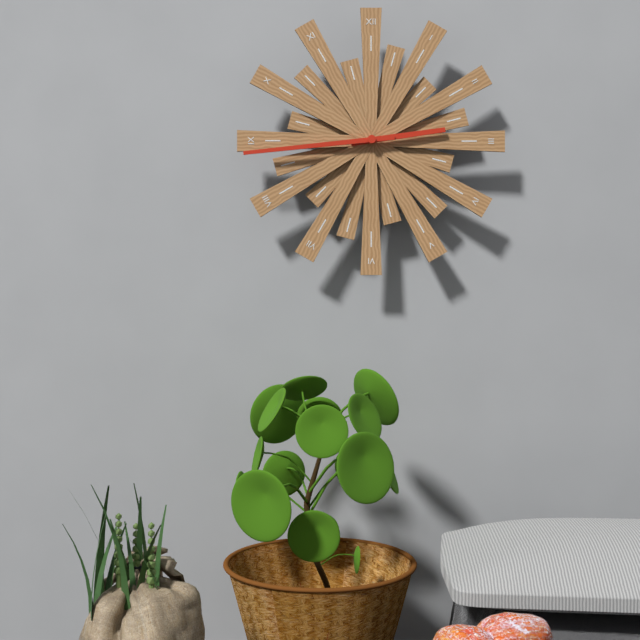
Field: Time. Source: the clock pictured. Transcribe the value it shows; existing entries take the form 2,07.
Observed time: 2,44
